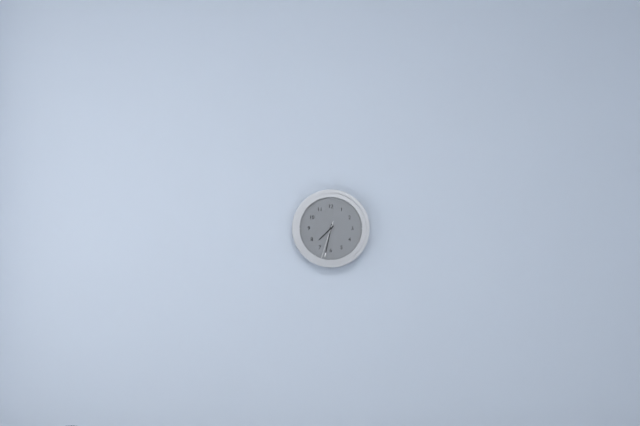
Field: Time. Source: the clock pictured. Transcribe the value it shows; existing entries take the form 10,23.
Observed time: 7,32
